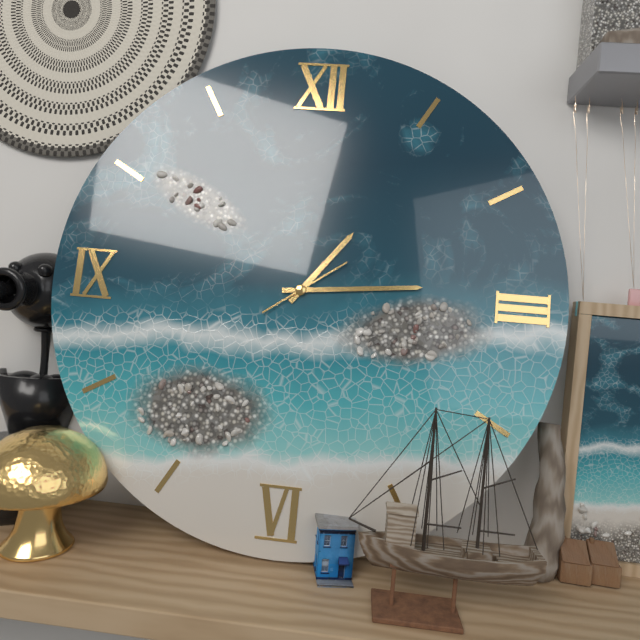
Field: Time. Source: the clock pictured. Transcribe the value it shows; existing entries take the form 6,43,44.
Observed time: 1,14,09
